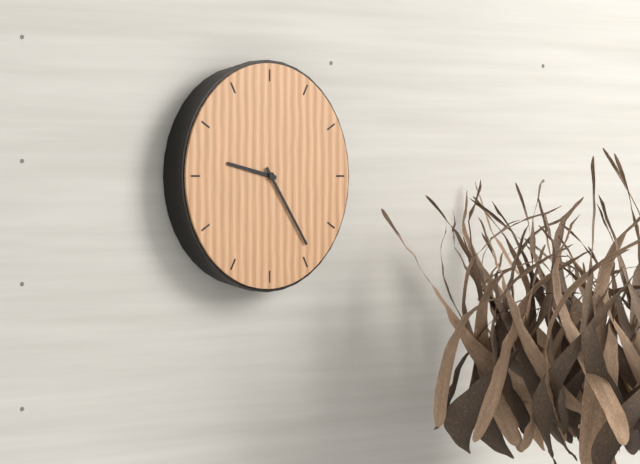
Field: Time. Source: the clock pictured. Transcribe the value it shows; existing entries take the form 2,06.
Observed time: 9,24
